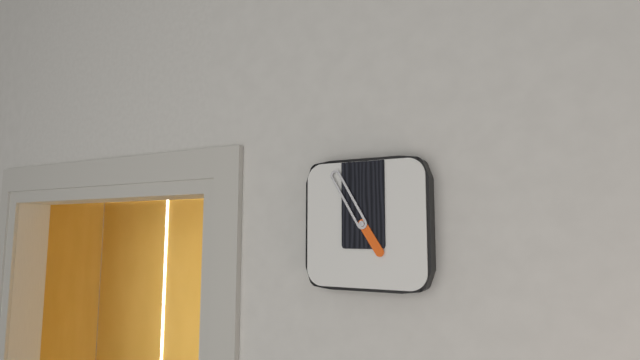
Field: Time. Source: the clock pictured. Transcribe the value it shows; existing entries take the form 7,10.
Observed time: 4,55
